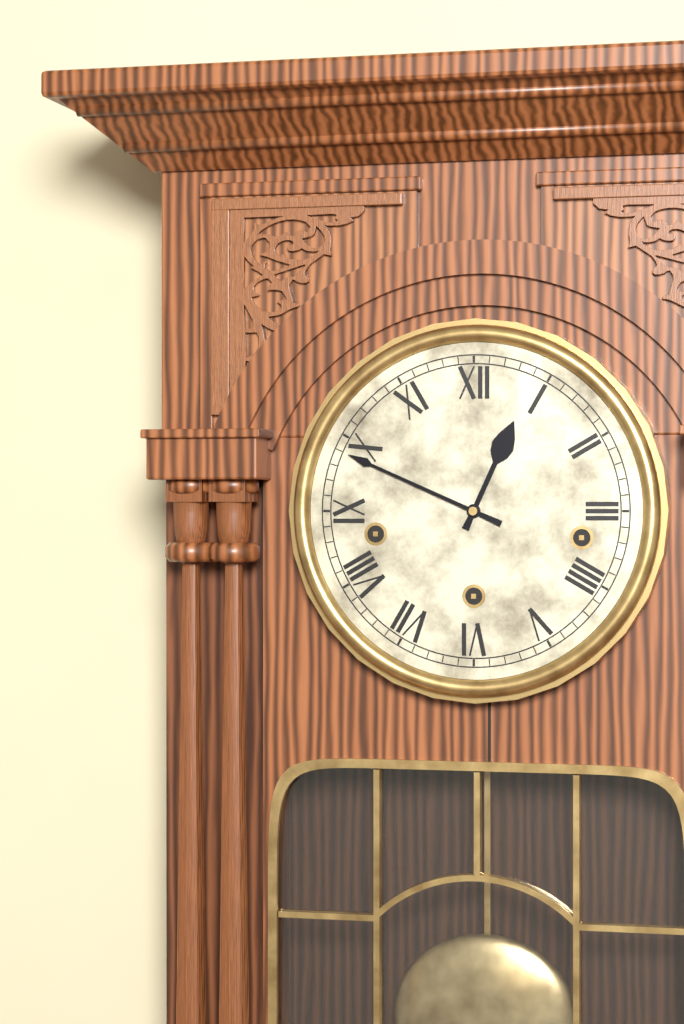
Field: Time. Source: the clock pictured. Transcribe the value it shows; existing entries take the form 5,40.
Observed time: 12,49
